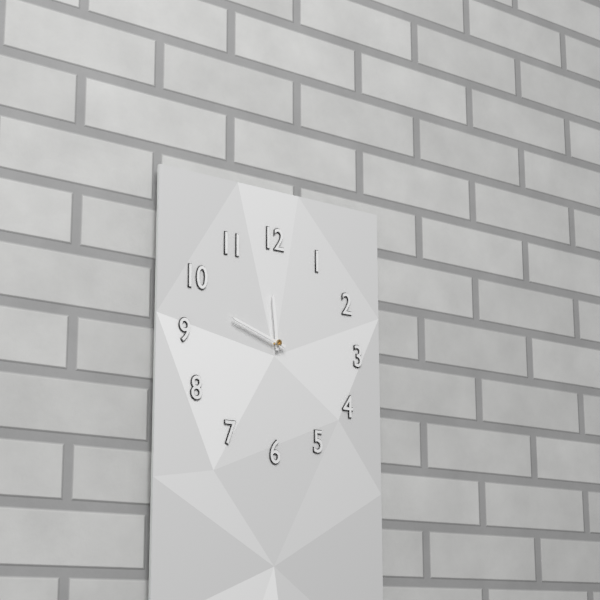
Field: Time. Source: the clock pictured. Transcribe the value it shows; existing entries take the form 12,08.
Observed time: 11,48
